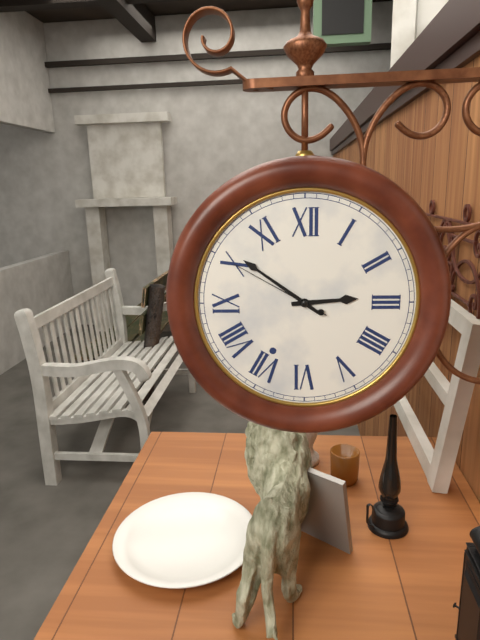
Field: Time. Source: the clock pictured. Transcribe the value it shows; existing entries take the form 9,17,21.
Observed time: 2,51,50
